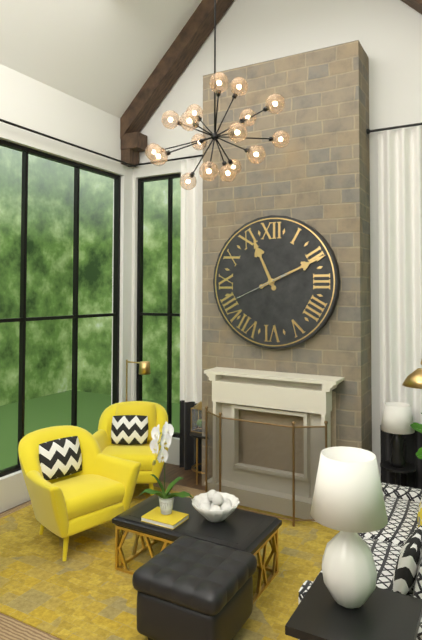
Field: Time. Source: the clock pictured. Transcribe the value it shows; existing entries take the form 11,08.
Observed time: 11,11
